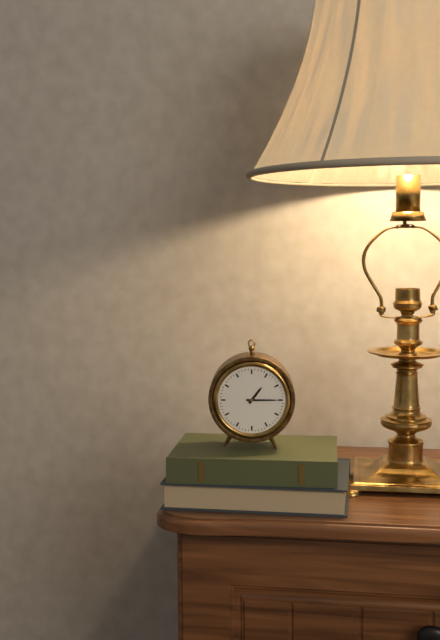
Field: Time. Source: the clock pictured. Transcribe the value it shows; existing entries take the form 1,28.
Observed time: 1,15
